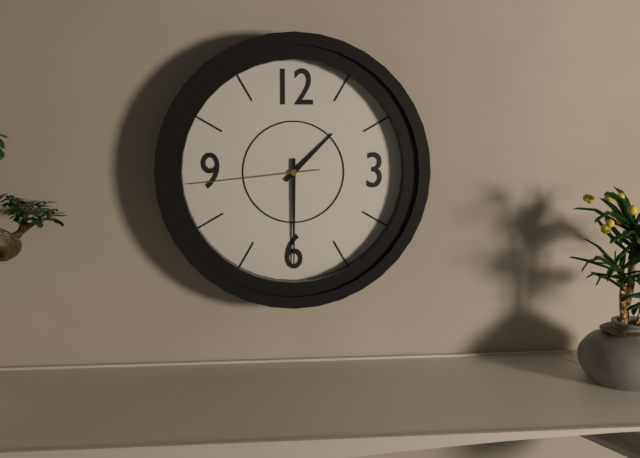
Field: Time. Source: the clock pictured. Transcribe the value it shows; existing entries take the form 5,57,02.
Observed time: 1,30,44
